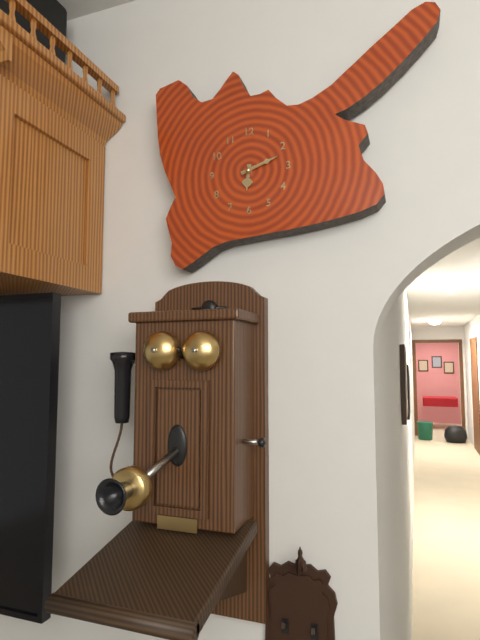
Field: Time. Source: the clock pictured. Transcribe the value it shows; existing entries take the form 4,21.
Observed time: 6,12
